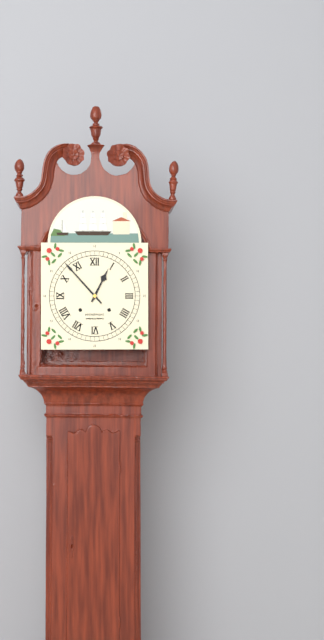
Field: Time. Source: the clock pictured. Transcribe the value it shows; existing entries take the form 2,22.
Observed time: 12,53
